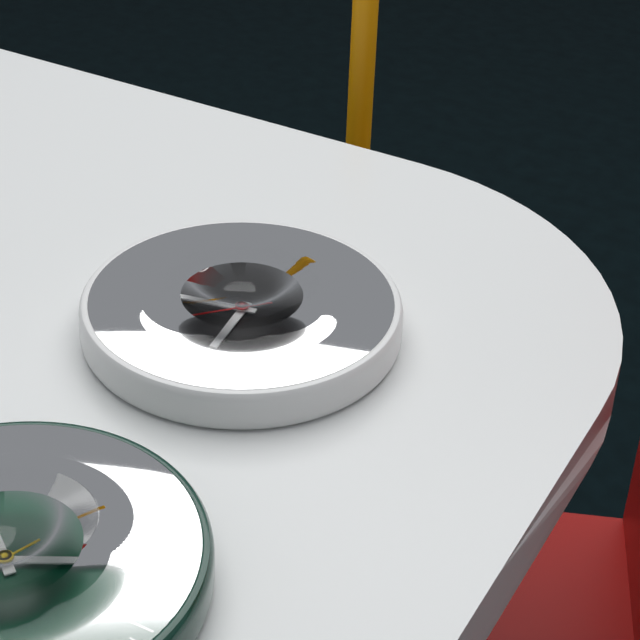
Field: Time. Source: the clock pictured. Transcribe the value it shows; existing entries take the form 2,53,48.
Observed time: 5,43,37
